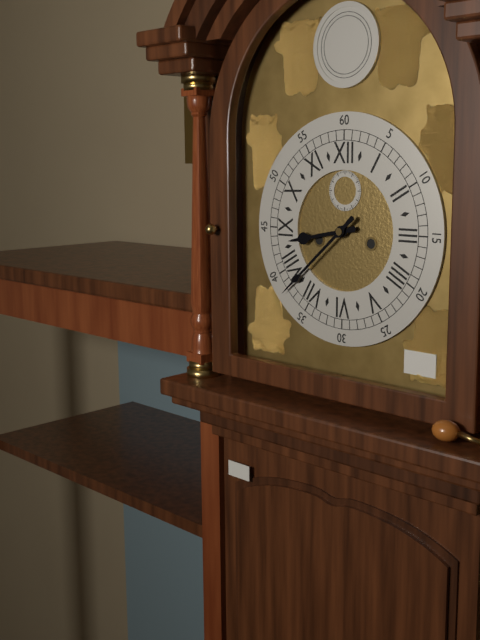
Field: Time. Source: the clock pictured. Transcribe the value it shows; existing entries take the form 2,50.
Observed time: 8,38
